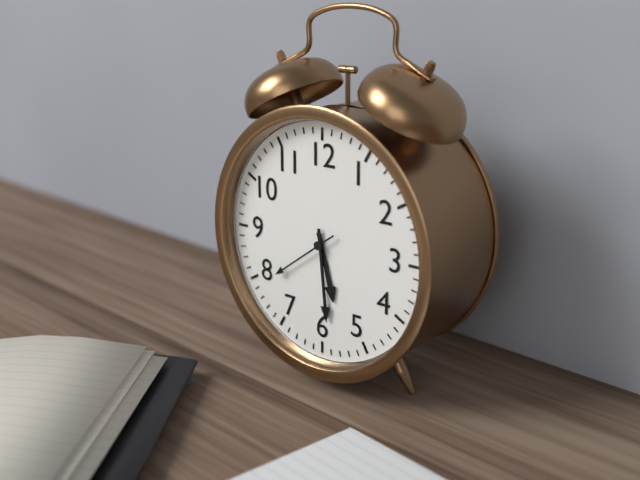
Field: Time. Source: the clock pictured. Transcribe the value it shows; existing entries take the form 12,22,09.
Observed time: 5,29,39
